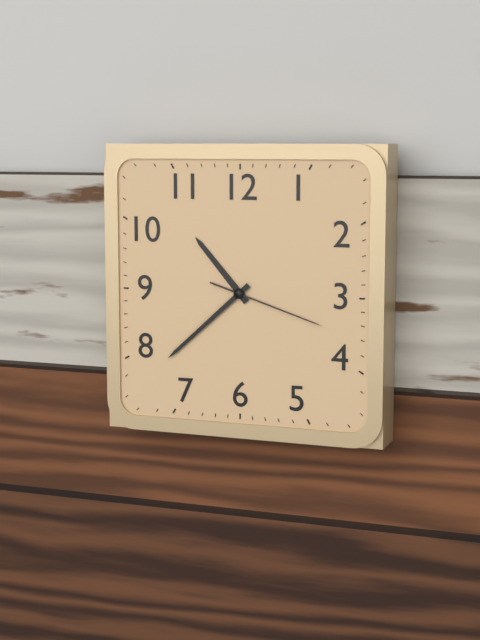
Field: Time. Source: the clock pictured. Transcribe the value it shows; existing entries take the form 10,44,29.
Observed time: 10,38,18
